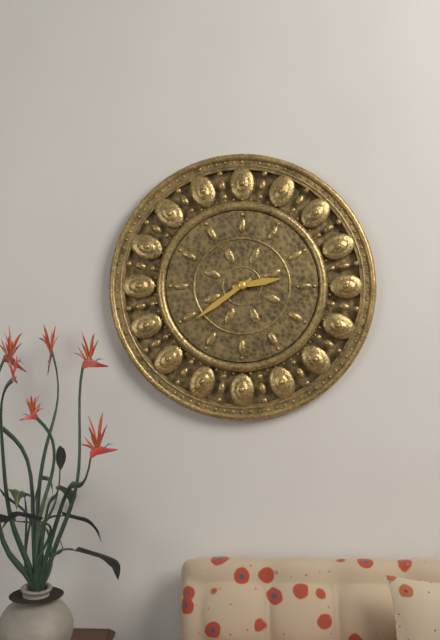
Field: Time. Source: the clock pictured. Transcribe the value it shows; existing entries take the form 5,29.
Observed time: 2,39
